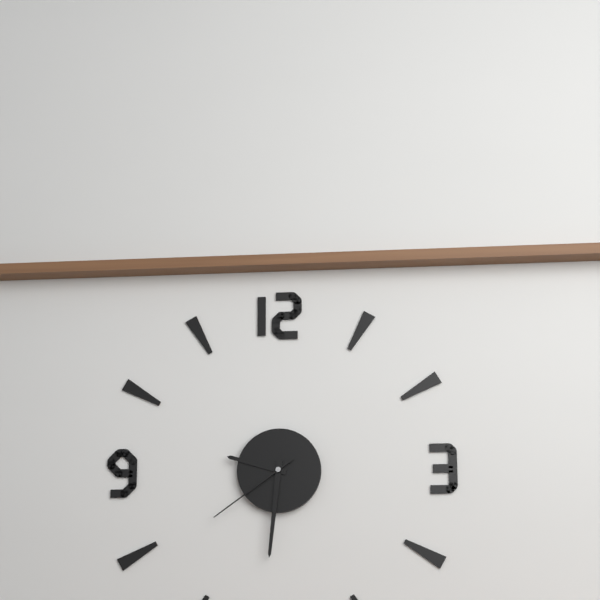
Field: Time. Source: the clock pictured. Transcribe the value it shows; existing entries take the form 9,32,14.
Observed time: 9,31,39
